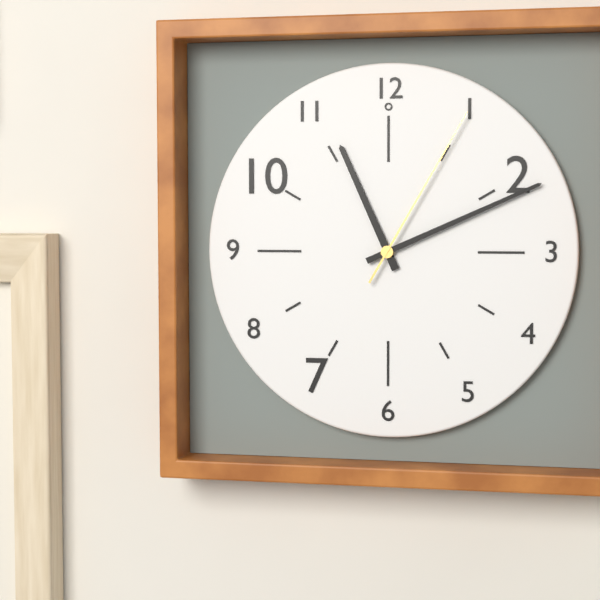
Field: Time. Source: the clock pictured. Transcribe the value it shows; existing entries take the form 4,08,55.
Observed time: 11,11,05
